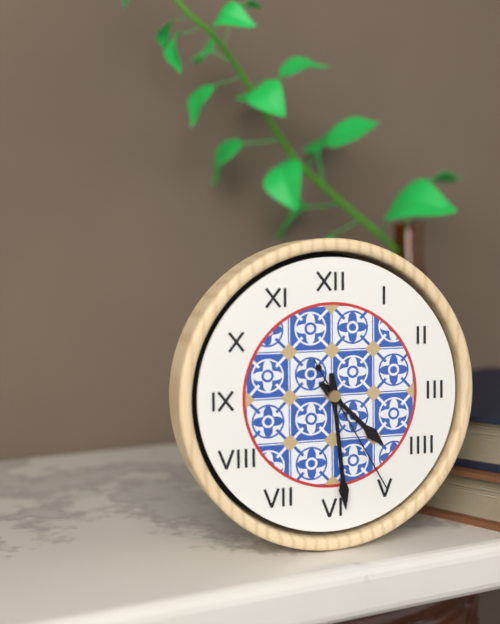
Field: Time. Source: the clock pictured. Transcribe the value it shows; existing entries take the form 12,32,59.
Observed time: 4,29,25
